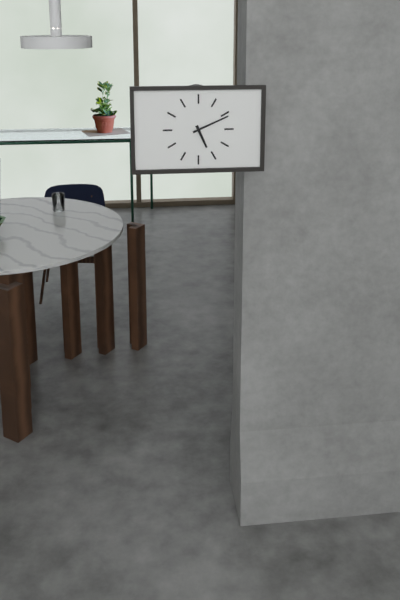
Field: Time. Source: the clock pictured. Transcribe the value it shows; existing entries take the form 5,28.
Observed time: 5,11
